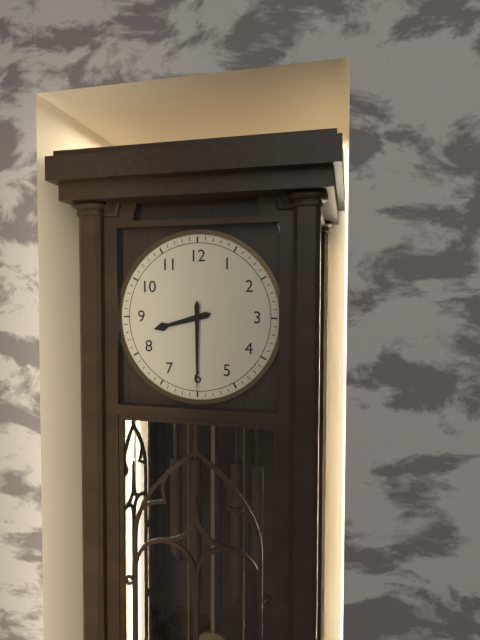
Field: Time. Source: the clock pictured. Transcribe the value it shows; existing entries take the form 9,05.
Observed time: 8,30
